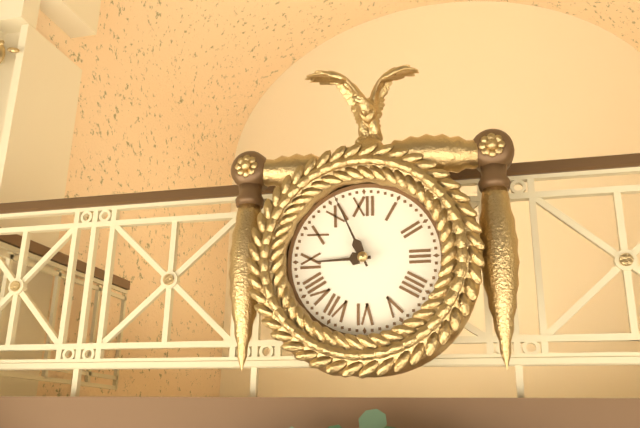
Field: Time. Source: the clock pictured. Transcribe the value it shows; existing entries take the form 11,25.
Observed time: 8,56
